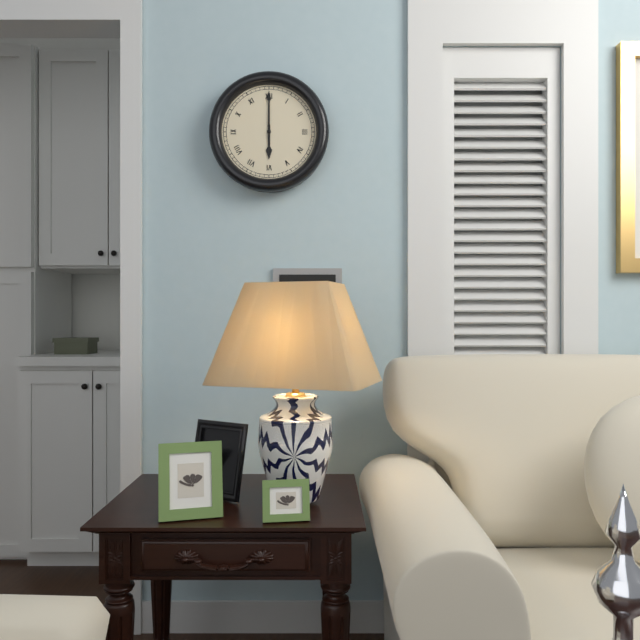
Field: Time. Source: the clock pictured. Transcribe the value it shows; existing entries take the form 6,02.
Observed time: 6,00
